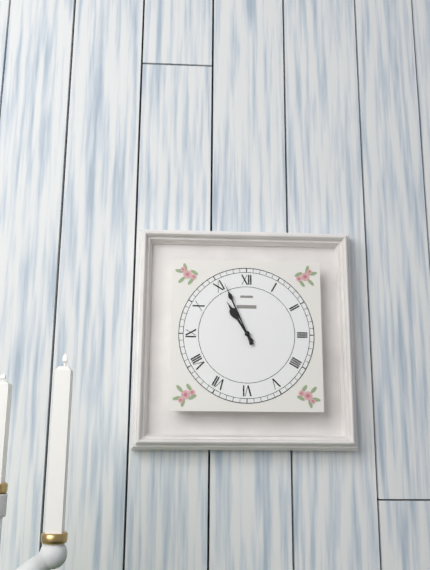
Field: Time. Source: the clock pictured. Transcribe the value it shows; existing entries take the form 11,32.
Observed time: 10,56
